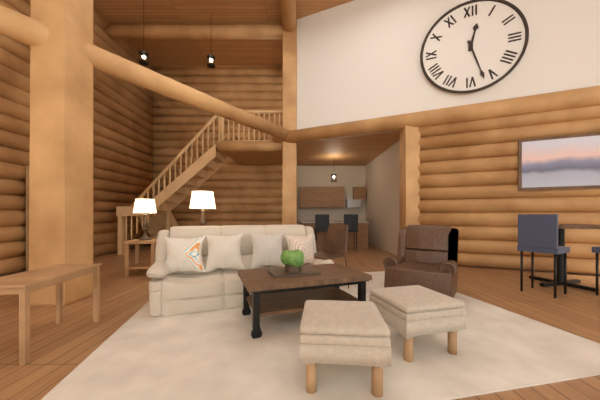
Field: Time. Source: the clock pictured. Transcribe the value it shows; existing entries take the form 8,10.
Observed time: 12,27
